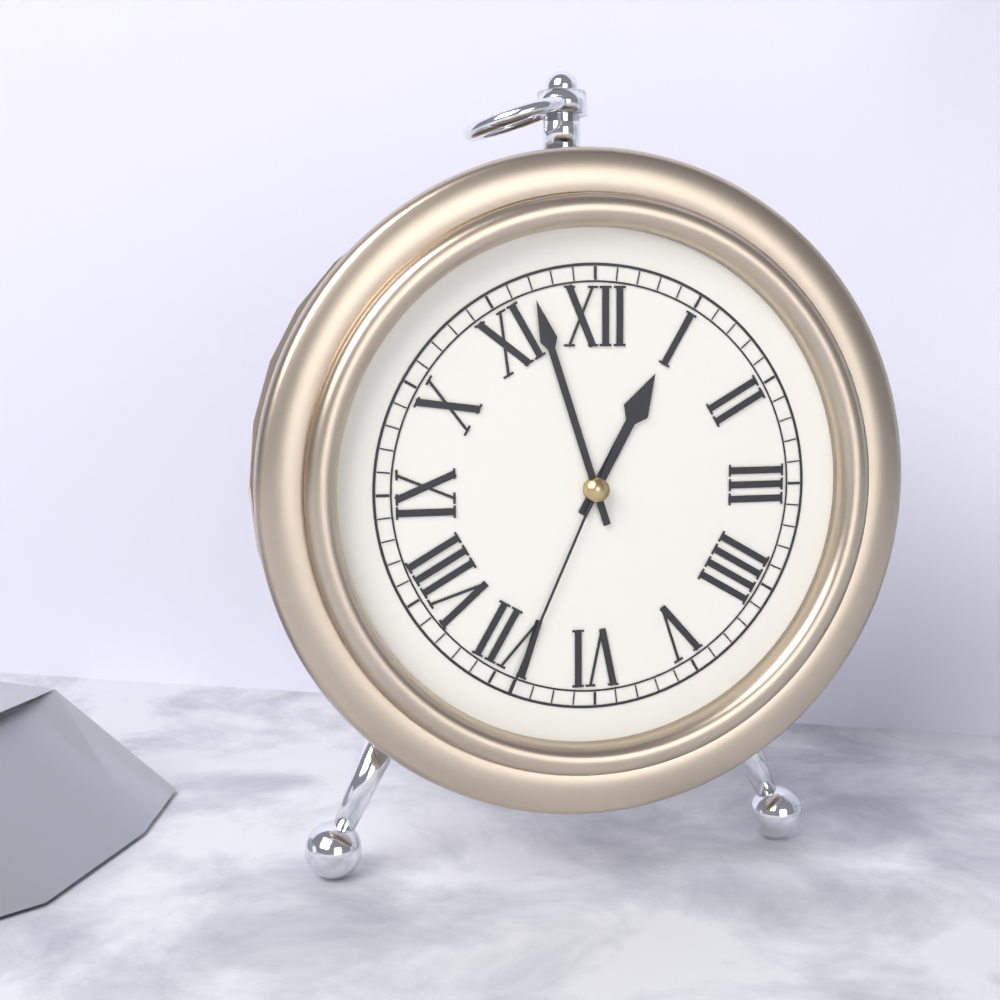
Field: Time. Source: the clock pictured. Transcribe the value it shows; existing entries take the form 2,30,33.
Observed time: 12,57,34
